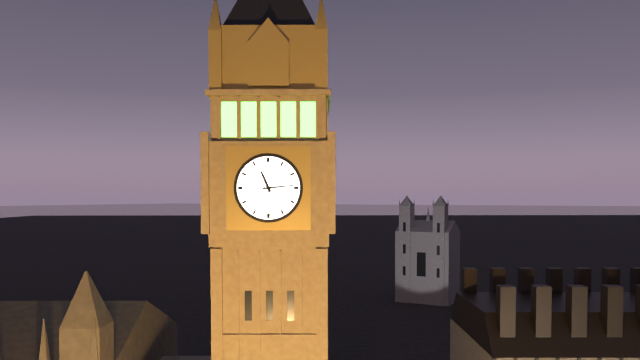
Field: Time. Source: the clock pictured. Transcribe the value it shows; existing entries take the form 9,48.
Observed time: 11,14
